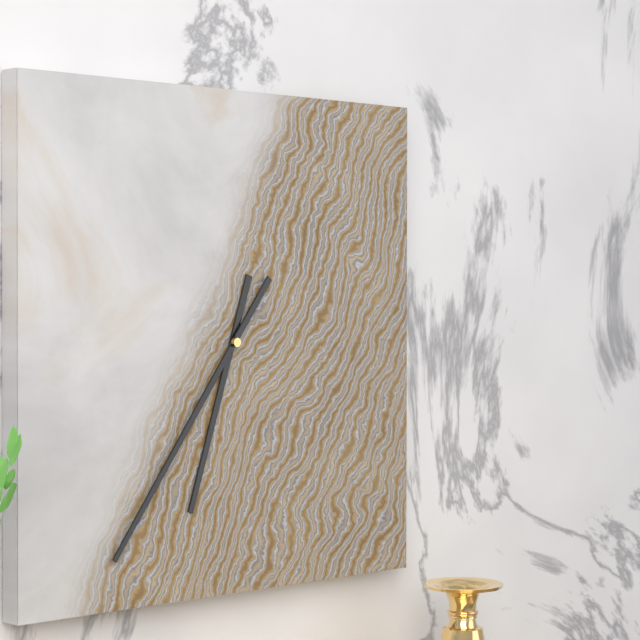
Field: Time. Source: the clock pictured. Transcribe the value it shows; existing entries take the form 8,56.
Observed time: 6,36
